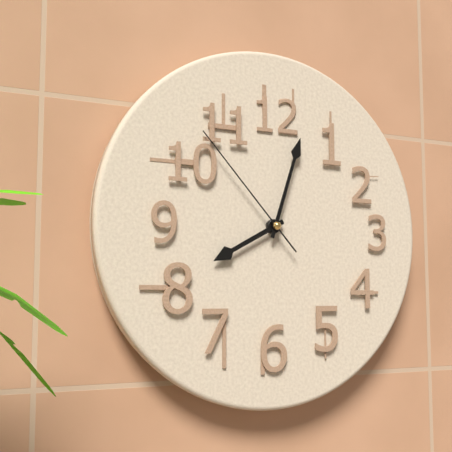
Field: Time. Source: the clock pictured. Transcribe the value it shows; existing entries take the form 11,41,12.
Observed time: 8,03,53
